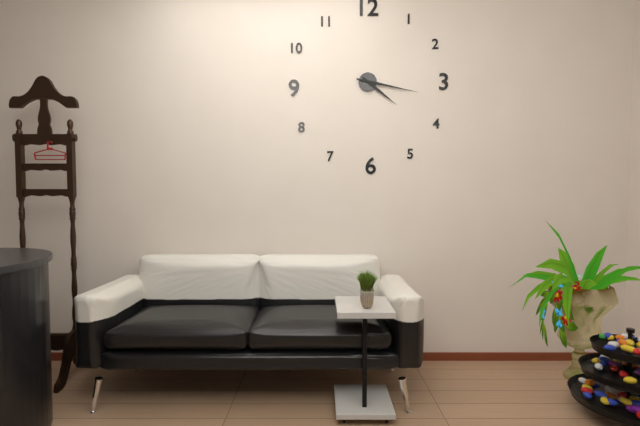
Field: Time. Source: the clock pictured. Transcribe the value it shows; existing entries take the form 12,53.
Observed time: 4,17
